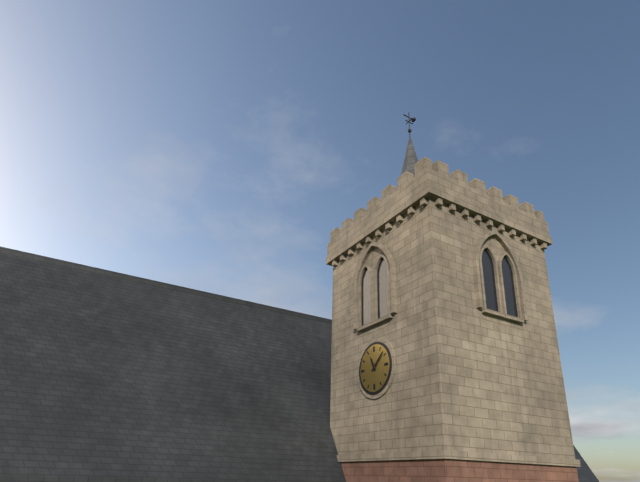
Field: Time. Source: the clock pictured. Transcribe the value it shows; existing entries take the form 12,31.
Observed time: 11,08
